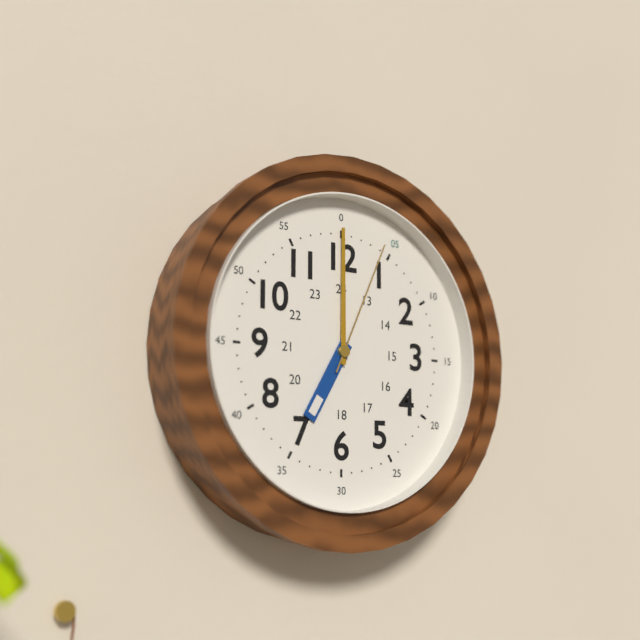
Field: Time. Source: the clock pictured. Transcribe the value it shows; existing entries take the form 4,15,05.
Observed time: 7,00,04
